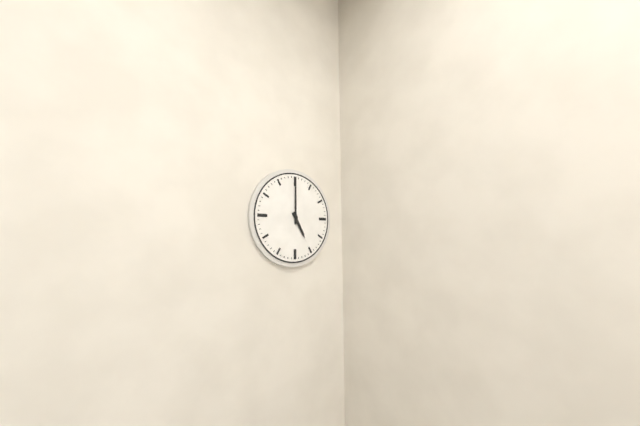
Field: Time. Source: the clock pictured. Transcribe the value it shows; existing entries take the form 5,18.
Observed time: 5,00
